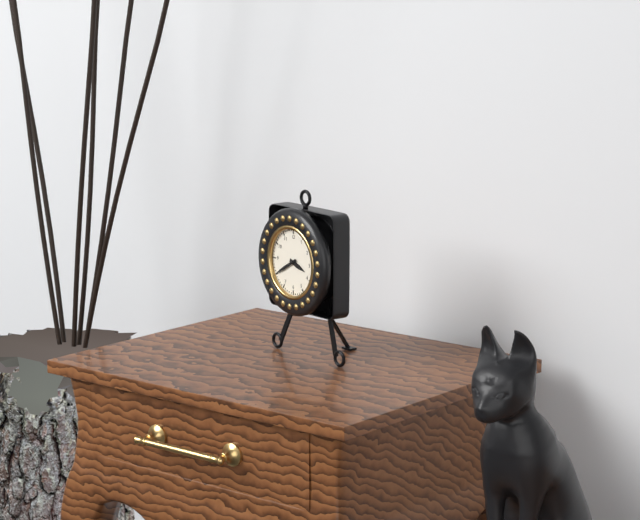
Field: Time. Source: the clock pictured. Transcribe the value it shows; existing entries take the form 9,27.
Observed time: 3,40
